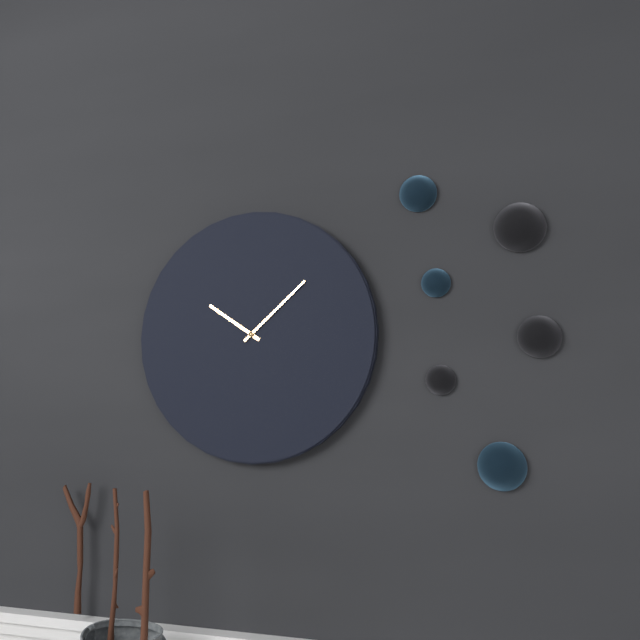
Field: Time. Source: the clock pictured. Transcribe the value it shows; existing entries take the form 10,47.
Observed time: 10,08
